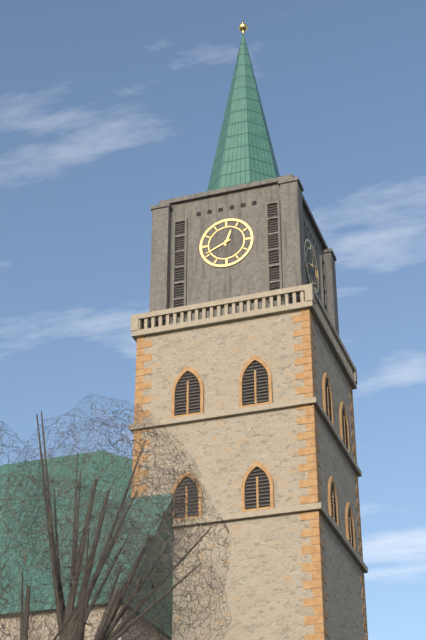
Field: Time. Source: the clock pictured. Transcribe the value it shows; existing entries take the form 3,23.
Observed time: 12,41
